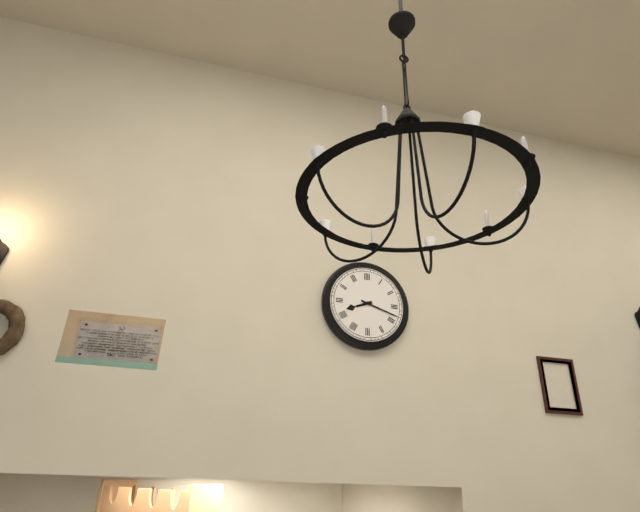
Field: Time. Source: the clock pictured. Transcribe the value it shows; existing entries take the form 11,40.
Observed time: 8,18
